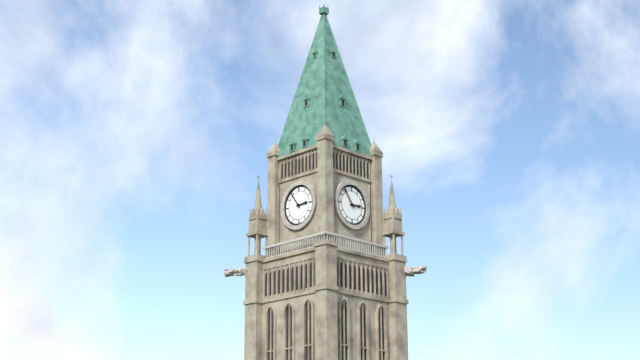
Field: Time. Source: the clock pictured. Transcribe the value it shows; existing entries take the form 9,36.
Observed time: 2,54
